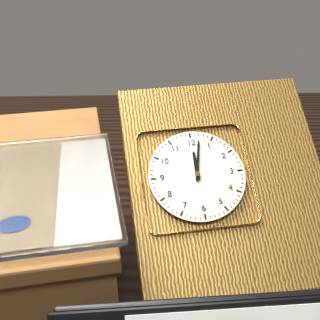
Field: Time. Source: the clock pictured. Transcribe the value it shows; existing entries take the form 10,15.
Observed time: 12,02
